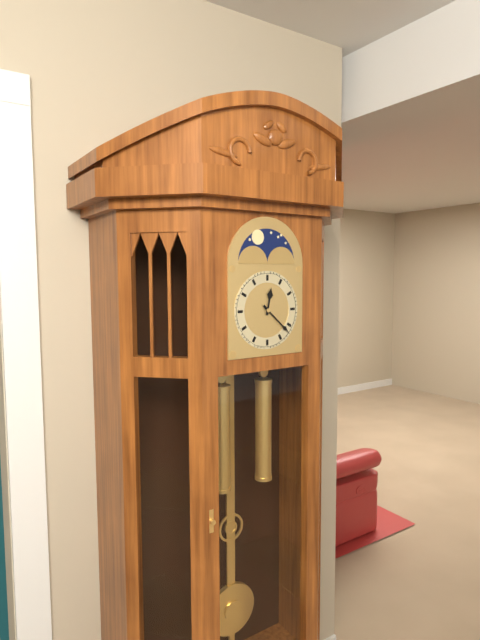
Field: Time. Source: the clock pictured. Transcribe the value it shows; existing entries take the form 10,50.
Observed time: 12,22
